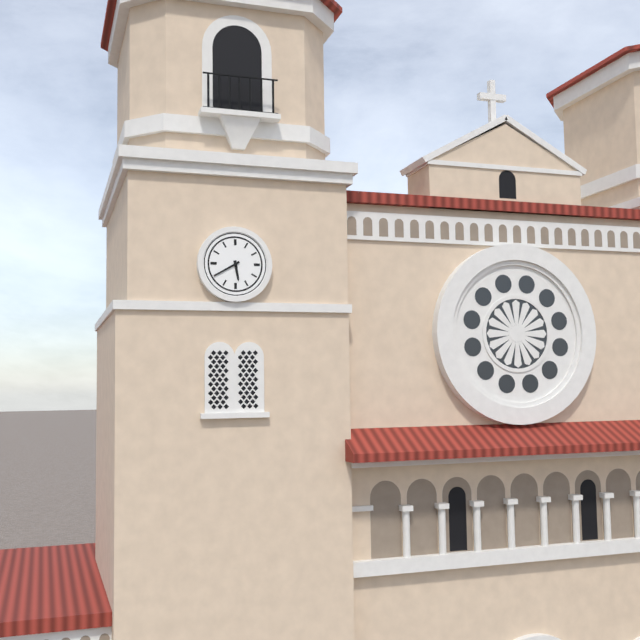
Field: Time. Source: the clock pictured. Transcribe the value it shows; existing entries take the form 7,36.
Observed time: 5,40
